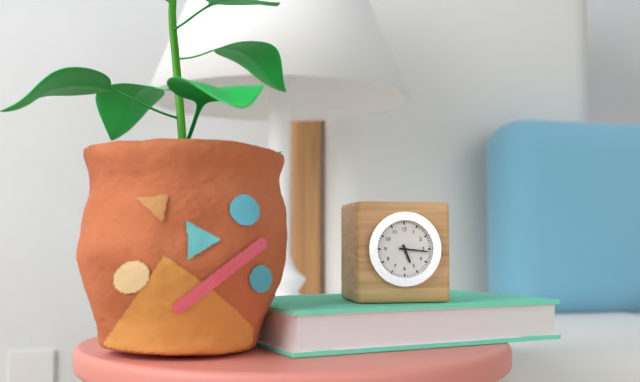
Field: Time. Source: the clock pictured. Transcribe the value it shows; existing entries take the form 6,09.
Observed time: 5,16
